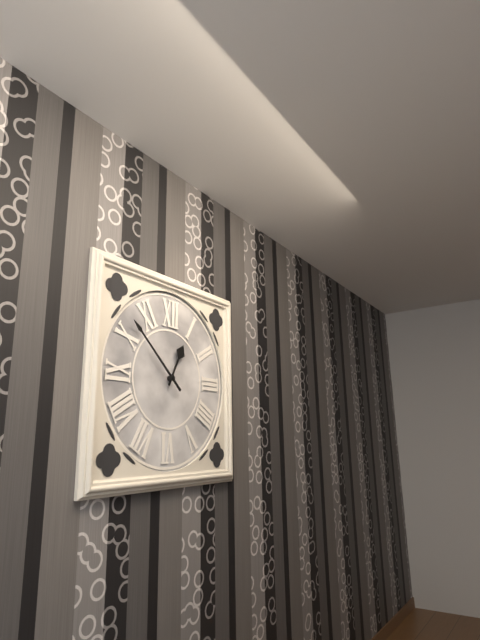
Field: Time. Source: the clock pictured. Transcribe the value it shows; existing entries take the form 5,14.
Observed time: 12,52
